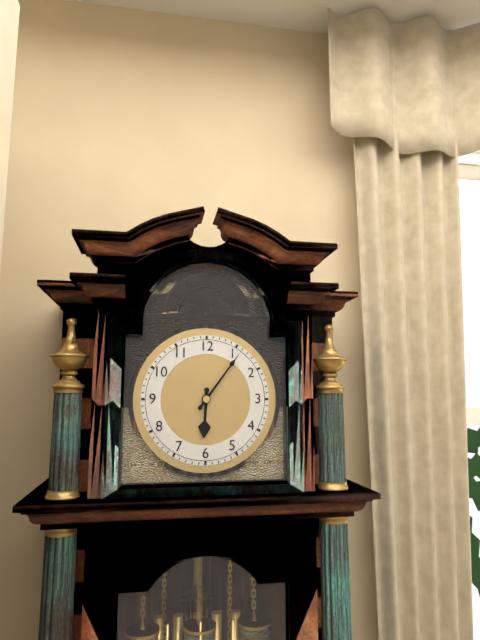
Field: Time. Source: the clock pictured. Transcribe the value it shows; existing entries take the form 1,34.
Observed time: 6,06
